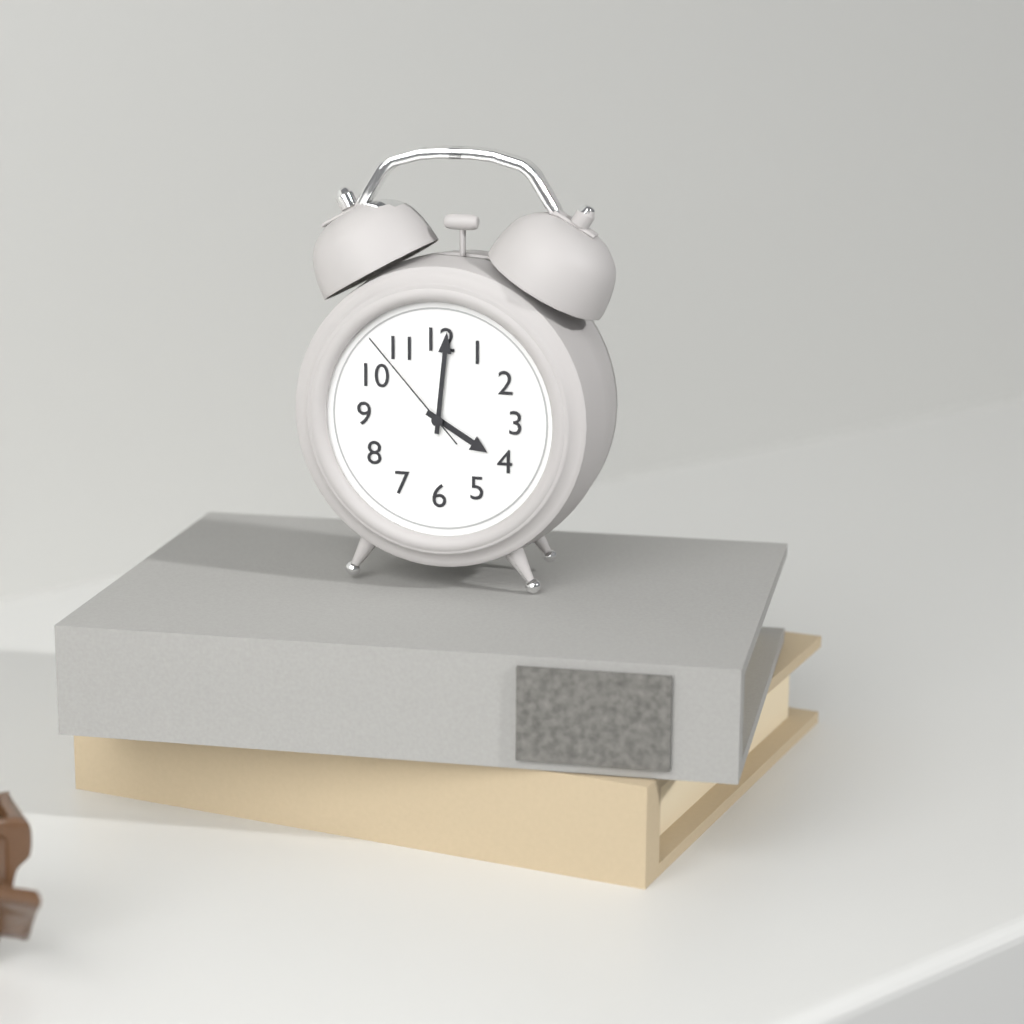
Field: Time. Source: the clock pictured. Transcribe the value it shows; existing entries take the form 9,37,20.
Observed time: 4,01,53
